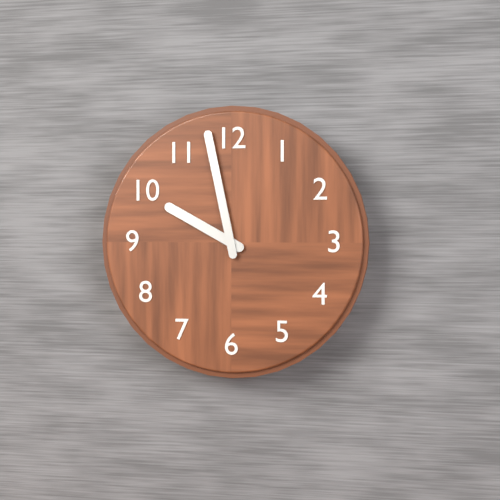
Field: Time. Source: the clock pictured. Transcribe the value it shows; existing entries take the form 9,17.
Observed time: 9,58
